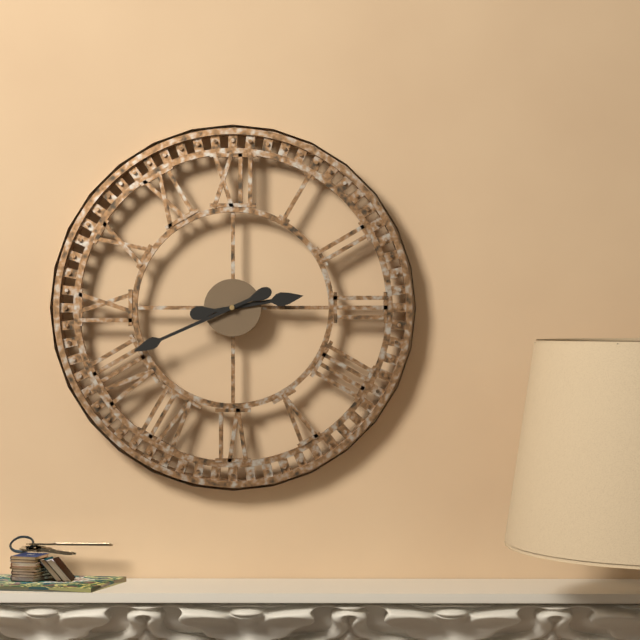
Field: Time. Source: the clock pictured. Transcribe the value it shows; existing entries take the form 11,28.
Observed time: 2,41
